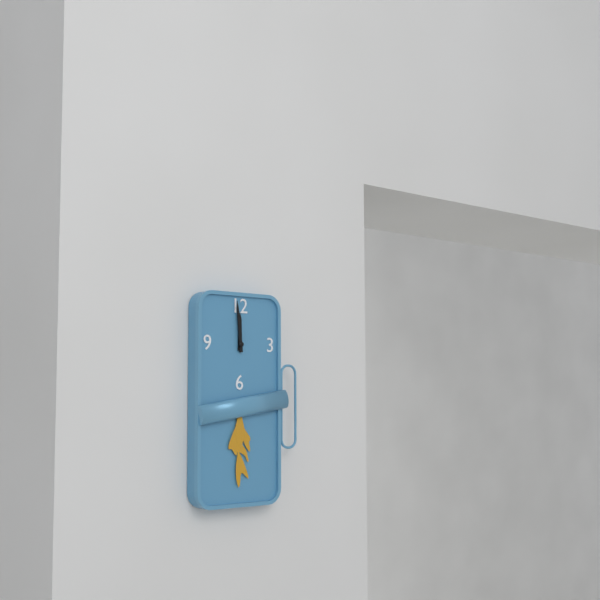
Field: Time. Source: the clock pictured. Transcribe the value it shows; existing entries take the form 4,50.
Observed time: 11,59
